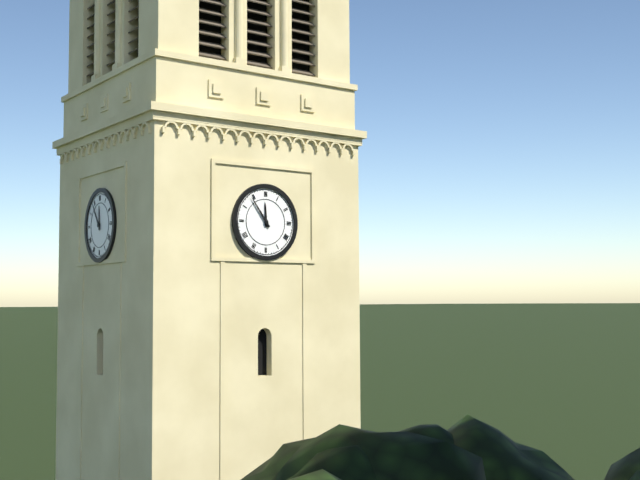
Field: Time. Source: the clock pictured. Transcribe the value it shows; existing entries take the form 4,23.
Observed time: 11,54
